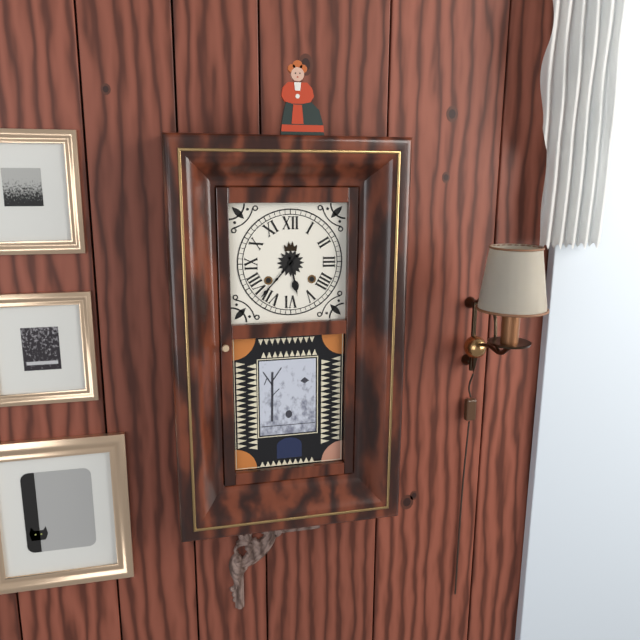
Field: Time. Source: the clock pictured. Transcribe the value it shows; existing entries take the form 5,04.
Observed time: 5,37
